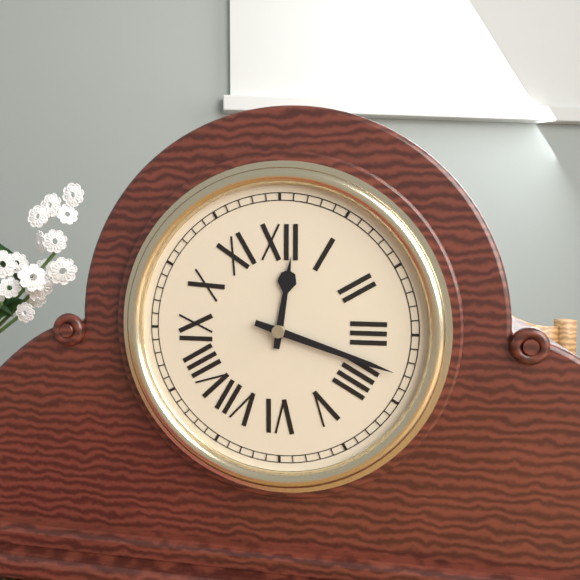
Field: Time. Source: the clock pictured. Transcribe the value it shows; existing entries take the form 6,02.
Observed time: 12,18
